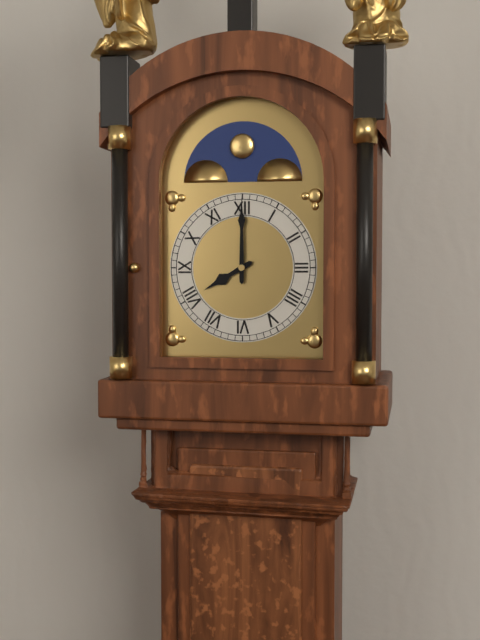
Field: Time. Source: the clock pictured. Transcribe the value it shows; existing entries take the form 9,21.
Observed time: 8,00
